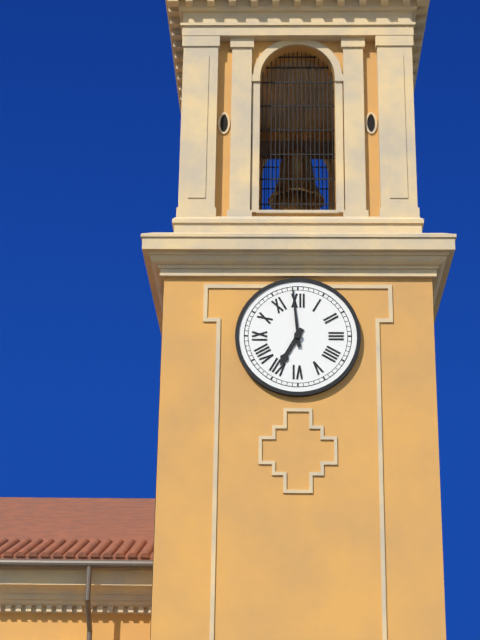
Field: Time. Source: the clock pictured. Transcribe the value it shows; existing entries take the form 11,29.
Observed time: 6,59
